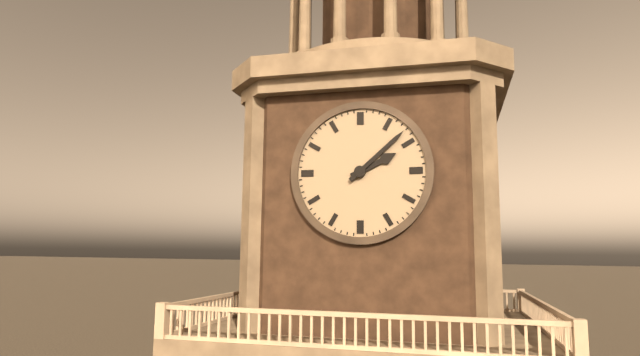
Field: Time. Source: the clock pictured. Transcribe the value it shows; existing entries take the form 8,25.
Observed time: 2,08
